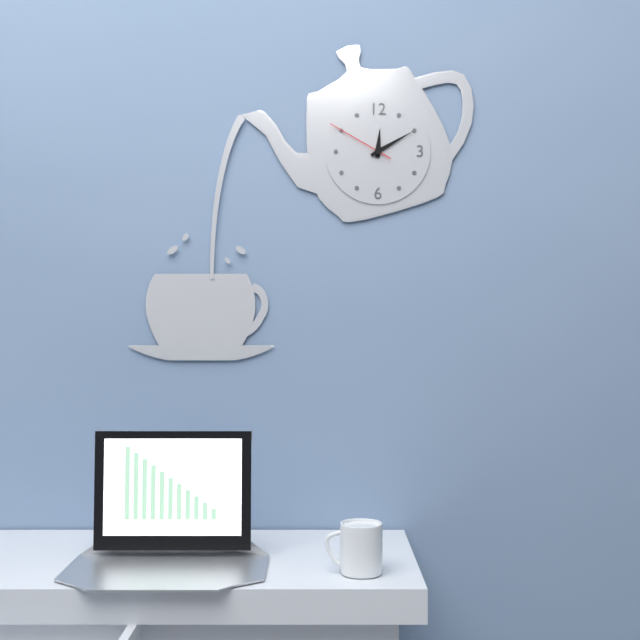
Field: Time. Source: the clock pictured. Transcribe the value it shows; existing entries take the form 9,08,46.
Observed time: 12,10,50
